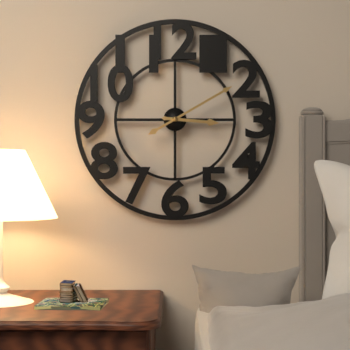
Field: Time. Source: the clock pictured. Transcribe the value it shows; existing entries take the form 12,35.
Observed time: 3,10
